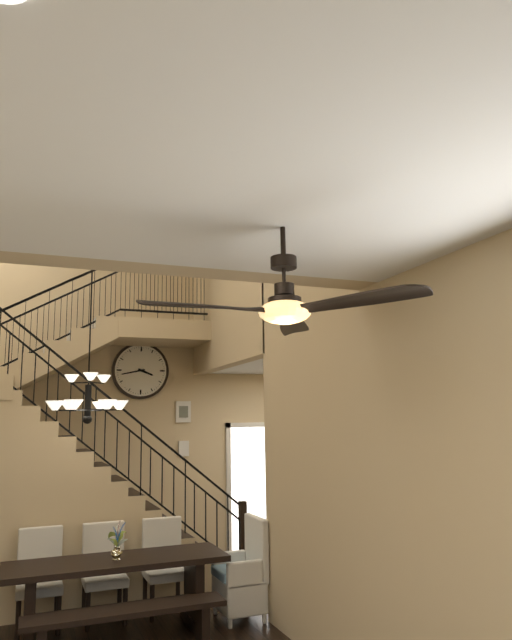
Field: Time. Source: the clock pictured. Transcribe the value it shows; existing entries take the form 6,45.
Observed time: 3,43
